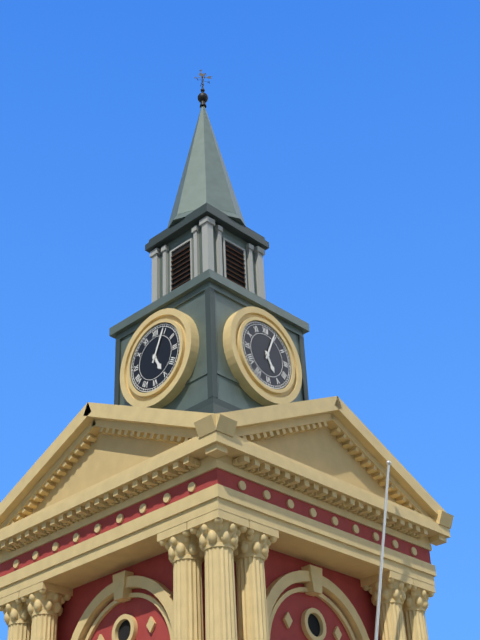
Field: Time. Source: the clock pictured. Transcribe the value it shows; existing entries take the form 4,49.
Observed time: 5,04
